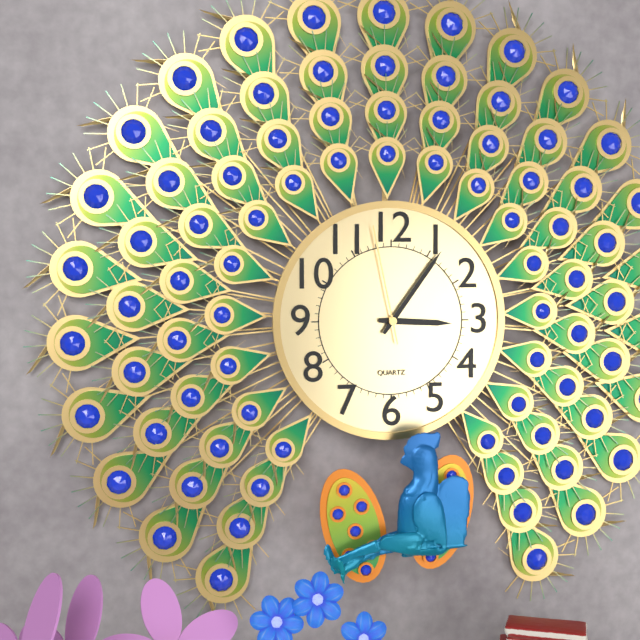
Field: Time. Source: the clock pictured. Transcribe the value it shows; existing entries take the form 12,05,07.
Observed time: 3,06,58
